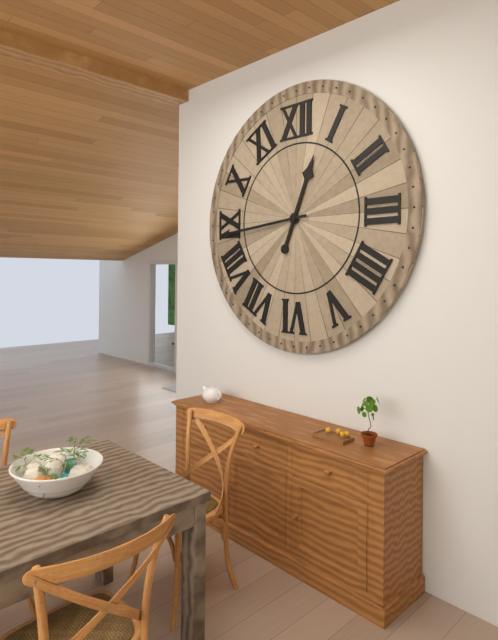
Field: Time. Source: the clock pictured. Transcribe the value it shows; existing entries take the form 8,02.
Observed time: 12,44
